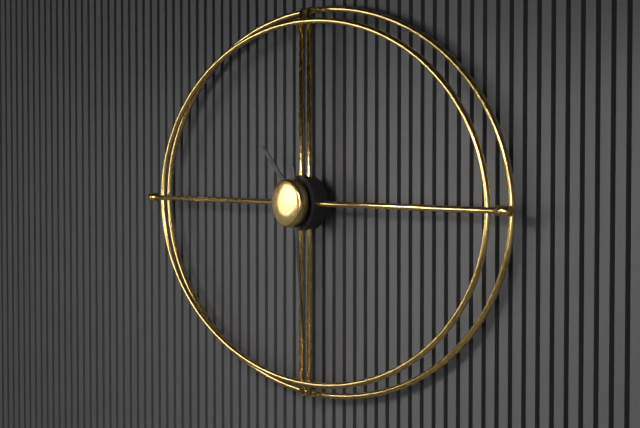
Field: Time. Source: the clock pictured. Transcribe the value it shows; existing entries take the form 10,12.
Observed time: 10,29
